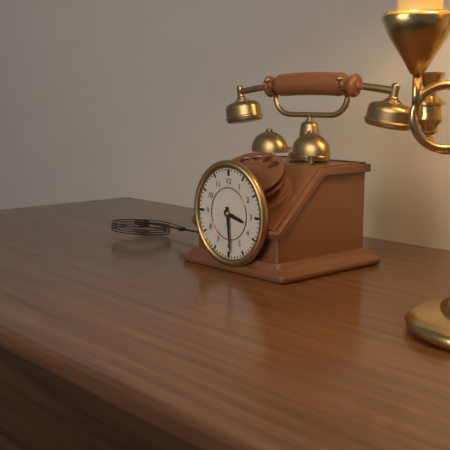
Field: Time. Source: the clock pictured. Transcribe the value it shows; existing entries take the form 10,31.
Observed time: 3,29
